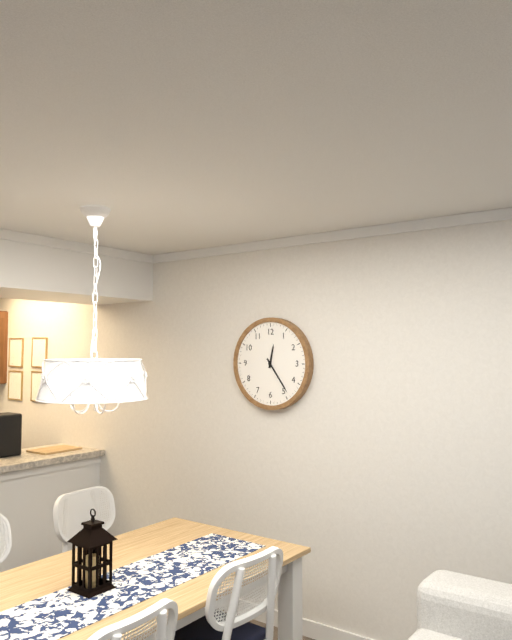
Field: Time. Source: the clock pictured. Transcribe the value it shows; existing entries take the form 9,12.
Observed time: 12,24
